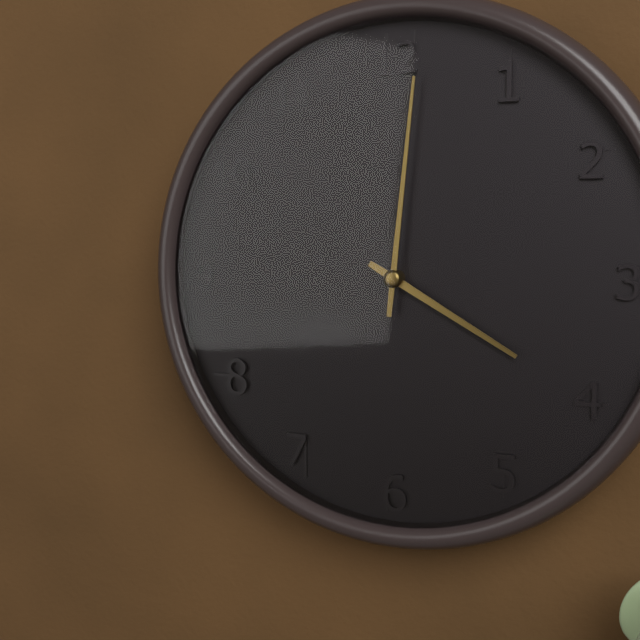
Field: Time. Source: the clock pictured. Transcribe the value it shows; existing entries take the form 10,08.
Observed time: 4,01
